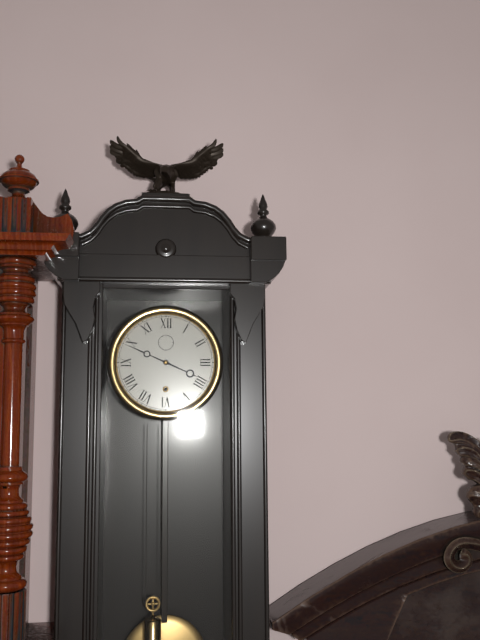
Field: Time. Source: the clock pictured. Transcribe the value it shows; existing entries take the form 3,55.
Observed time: 3,49
